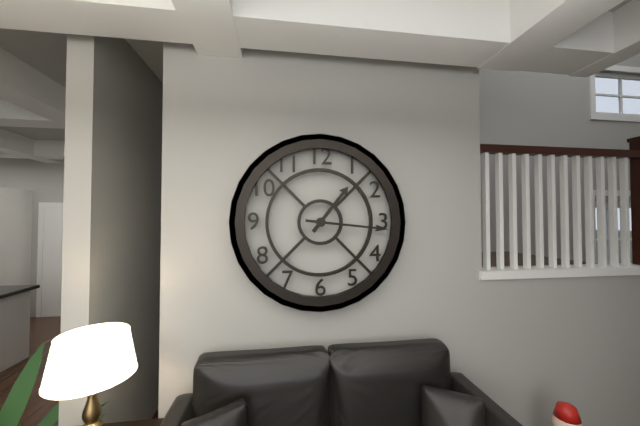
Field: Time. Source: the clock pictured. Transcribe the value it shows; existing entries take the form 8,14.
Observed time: 1,16
